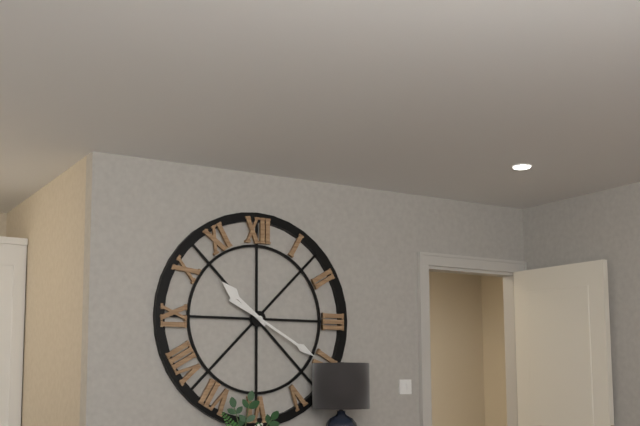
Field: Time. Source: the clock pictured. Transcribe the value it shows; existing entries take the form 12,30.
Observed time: 10,20
